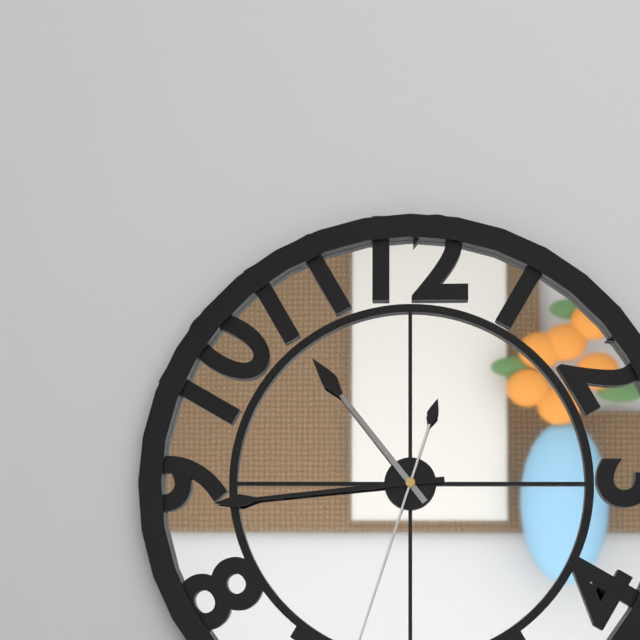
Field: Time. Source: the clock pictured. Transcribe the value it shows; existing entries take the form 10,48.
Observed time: 10,44
